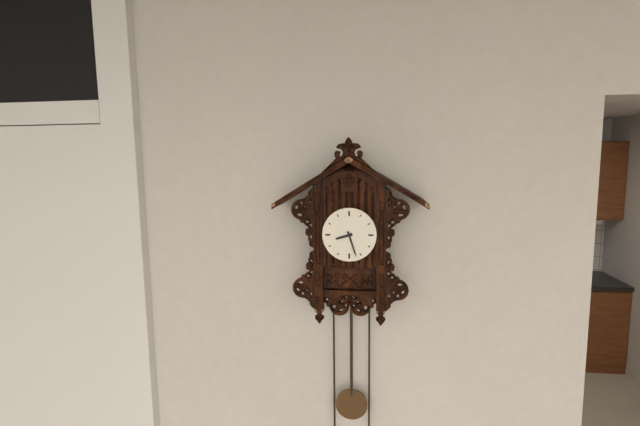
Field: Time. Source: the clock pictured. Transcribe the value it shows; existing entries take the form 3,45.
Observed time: 8,27
